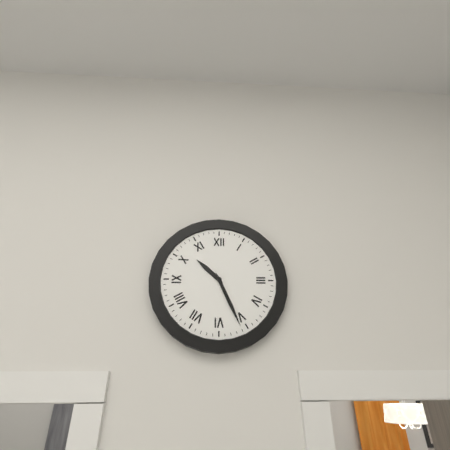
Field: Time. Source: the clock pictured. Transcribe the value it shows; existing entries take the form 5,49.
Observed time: 10,26
